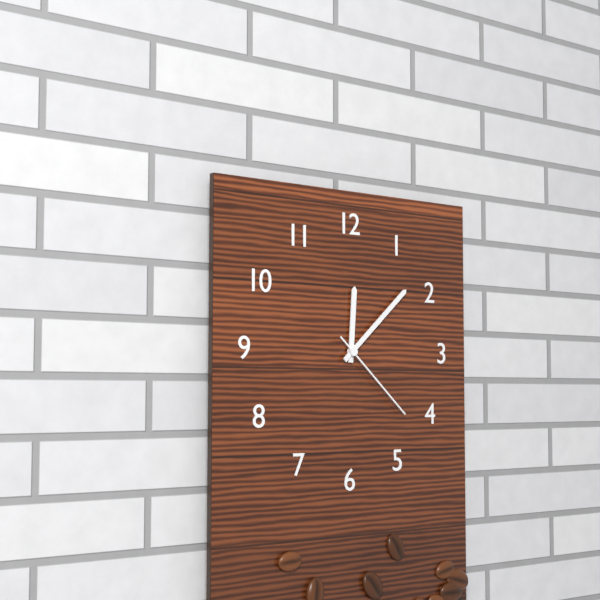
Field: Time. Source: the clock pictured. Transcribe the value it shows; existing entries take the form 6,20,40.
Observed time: 12,08,22
